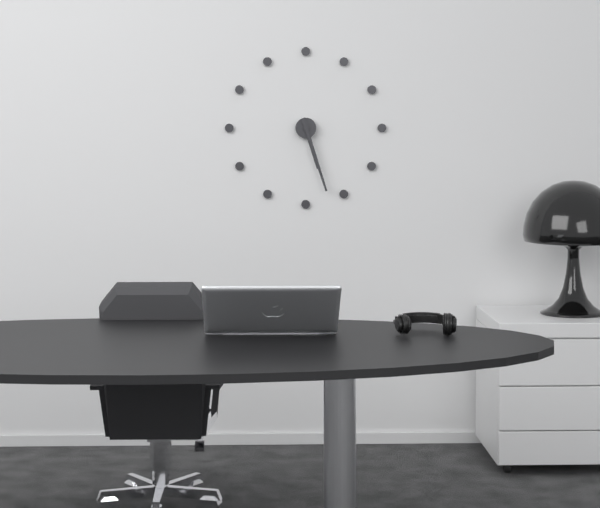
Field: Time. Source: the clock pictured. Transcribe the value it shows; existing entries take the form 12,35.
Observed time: 5,27
